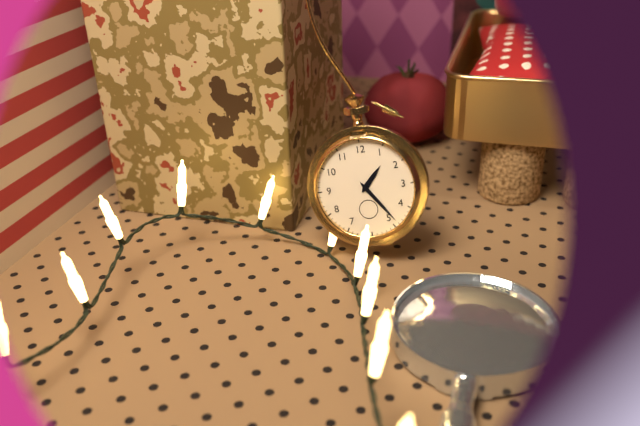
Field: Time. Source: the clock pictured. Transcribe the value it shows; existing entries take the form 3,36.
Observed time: 1,24
